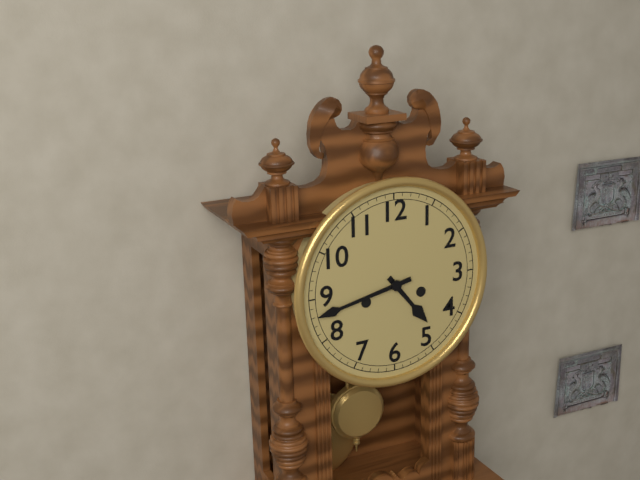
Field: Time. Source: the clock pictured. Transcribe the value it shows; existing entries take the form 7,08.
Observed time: 4,43
